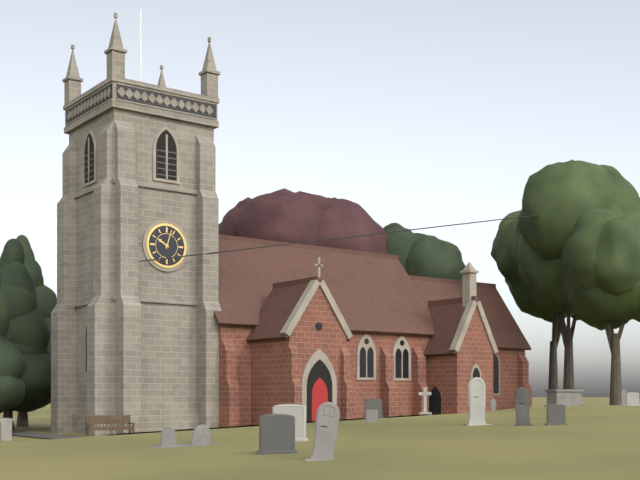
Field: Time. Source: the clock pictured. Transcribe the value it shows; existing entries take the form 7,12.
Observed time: 10,03
